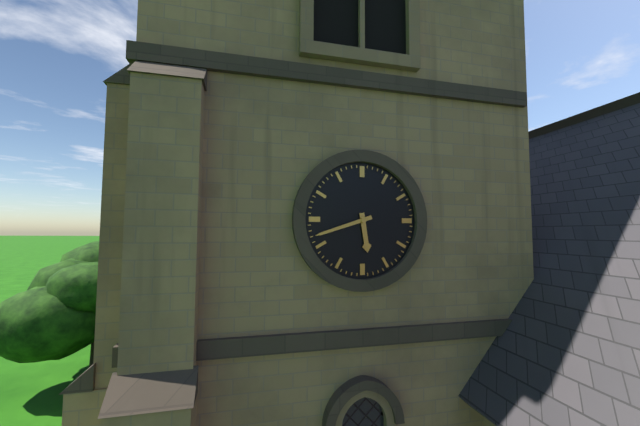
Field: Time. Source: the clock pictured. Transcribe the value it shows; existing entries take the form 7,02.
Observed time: 5,42
